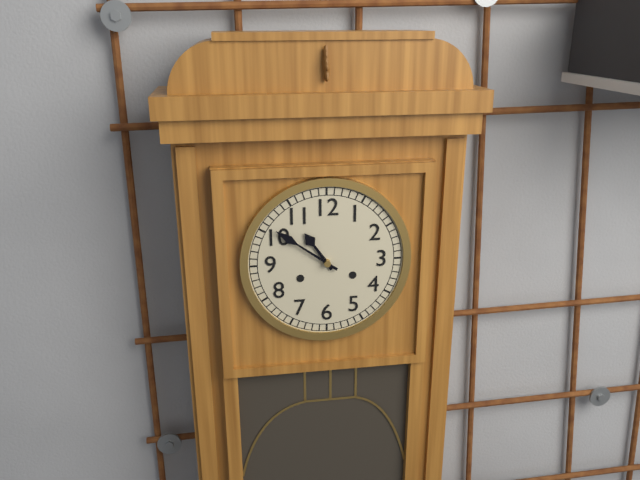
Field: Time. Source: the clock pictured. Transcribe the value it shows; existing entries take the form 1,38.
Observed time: 10,51
